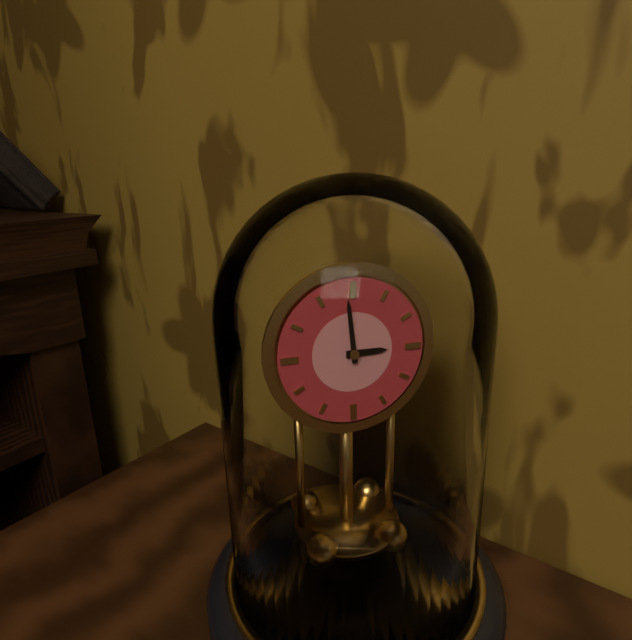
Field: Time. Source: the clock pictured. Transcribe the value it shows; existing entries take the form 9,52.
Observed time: 2,59
